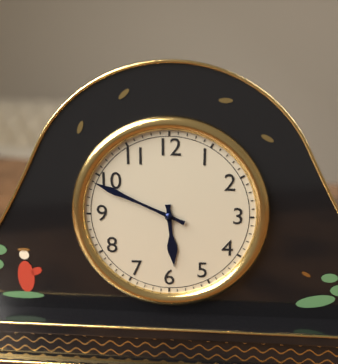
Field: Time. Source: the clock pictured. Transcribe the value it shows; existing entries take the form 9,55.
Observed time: 5,49
